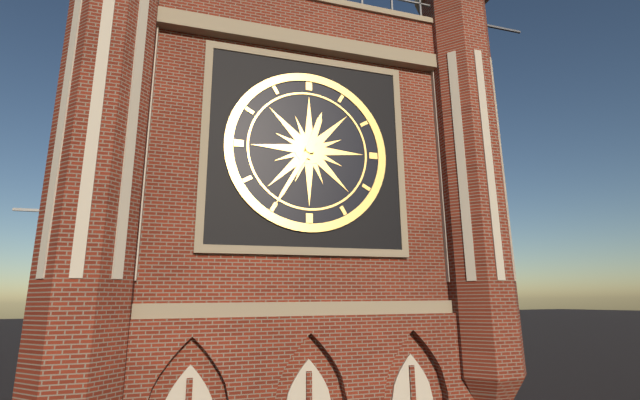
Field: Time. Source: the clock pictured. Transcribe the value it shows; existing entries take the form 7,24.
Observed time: 12,35
